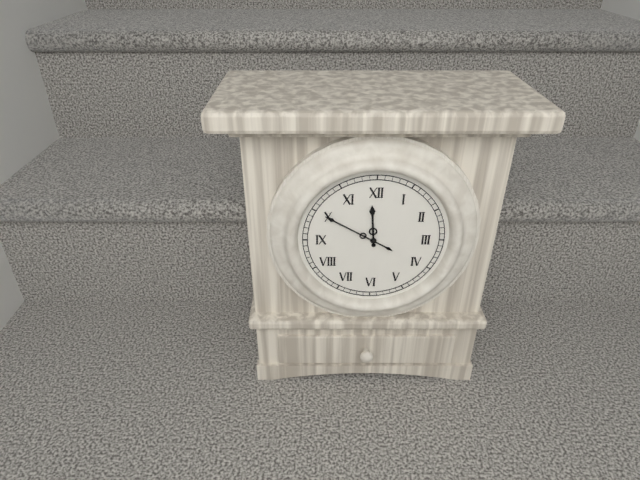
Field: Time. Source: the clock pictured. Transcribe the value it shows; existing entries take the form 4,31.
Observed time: 11,50
